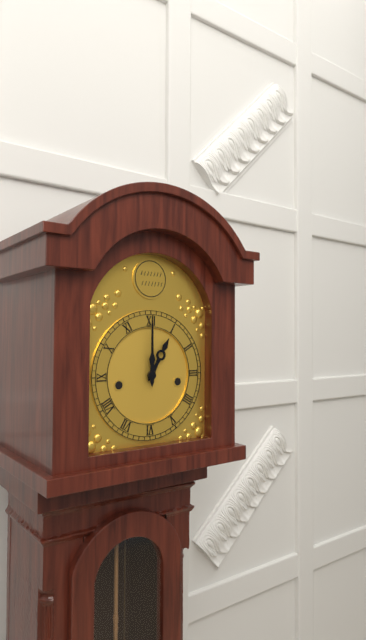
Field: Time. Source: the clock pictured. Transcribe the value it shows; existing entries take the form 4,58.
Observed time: 1,00
